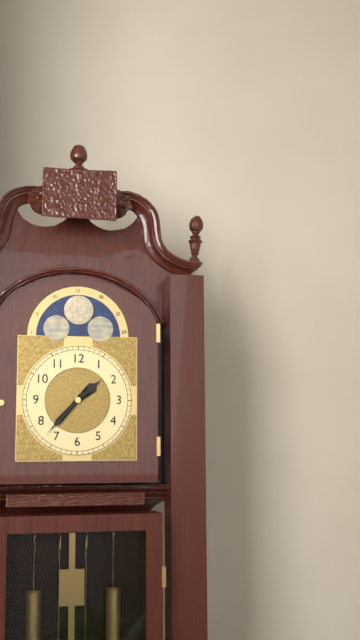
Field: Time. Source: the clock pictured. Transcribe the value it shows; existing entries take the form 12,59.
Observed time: 1,37
